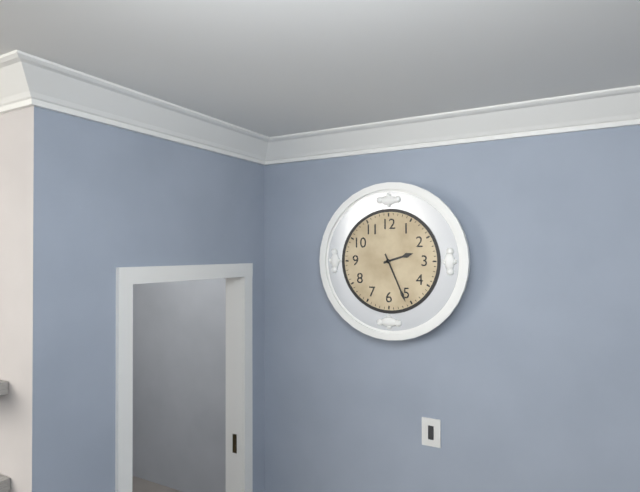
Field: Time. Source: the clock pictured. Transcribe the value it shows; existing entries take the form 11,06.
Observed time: 2,26
